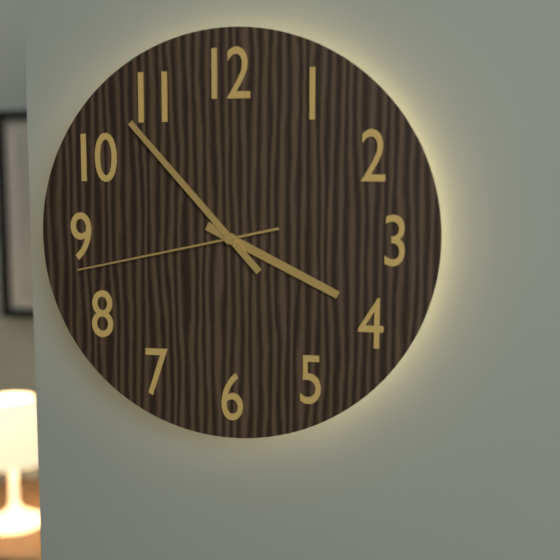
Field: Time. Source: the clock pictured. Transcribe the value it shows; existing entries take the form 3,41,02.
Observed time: 3,53,43
